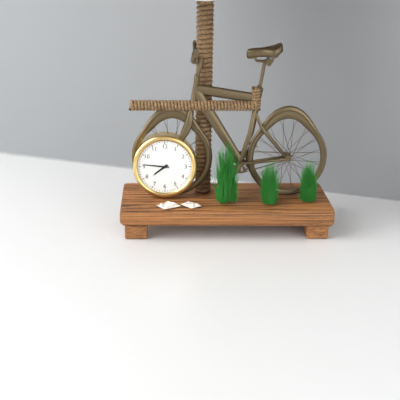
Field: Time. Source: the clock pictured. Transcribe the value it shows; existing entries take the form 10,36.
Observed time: 7,46
